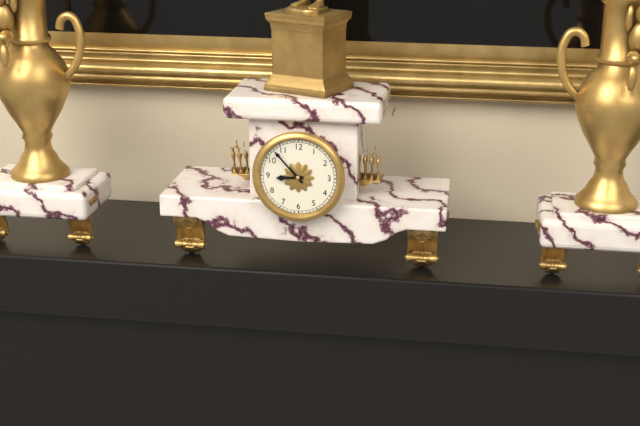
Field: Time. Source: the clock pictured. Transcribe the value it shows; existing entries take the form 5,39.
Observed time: 8,53
